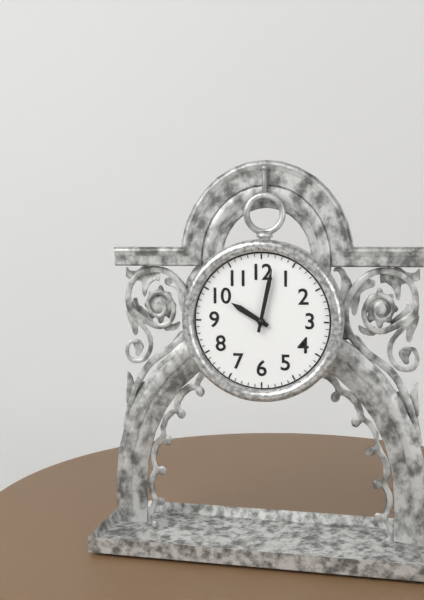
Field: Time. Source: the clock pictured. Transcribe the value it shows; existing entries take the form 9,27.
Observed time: 10,02
